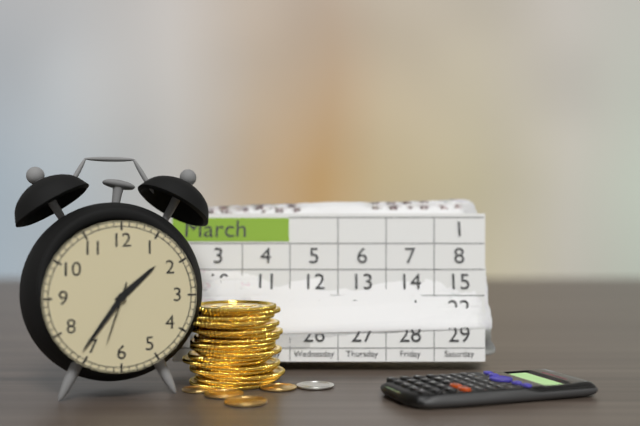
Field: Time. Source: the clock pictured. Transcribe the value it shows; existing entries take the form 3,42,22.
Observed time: 1,36,33
